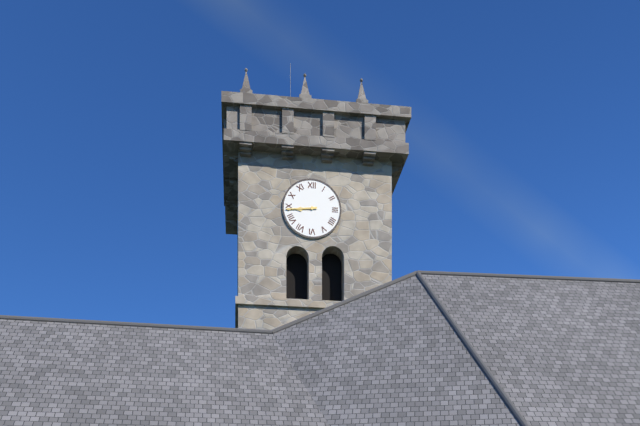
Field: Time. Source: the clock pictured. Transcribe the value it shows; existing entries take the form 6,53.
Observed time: 8,44
